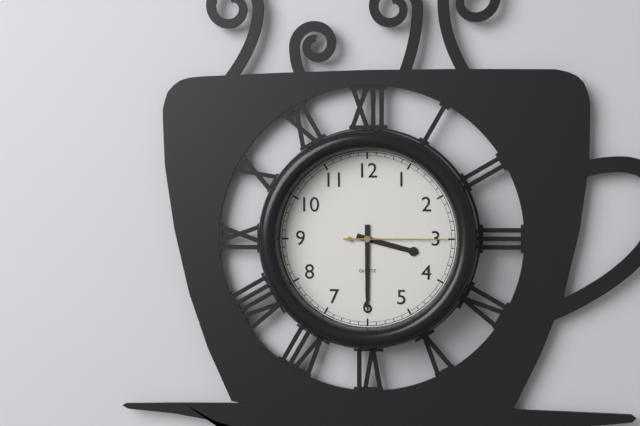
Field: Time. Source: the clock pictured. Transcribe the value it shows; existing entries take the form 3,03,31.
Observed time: 3,30,15
